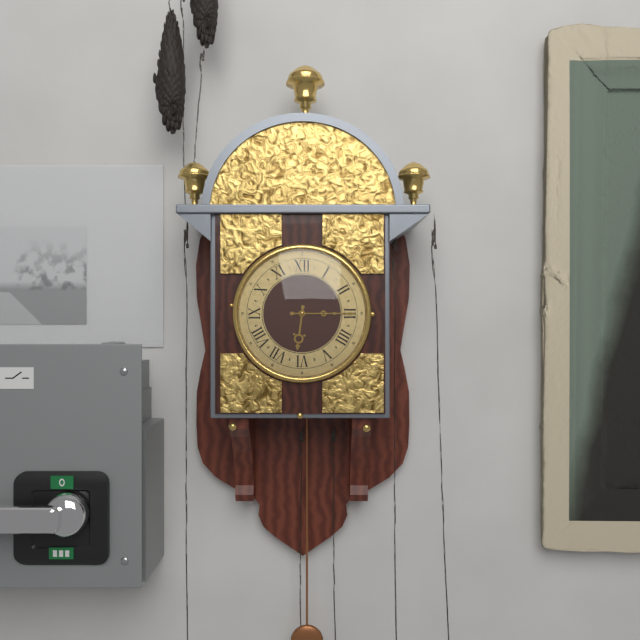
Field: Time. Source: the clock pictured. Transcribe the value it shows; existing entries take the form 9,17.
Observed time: 6,15
